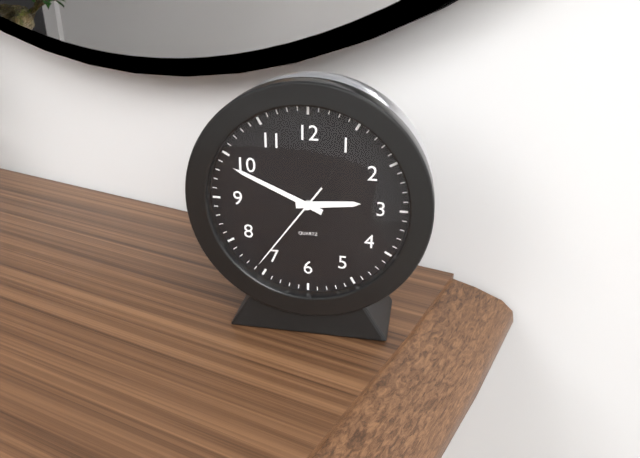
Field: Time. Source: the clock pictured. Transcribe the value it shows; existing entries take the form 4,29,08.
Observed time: 2,49,36
